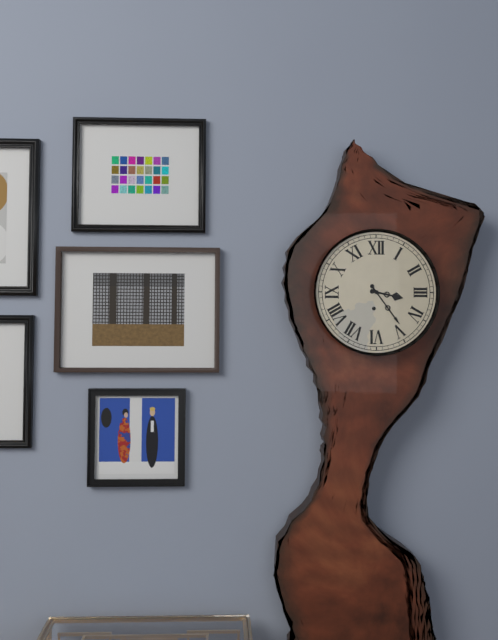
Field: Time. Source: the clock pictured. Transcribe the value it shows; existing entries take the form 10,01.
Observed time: 3,24
